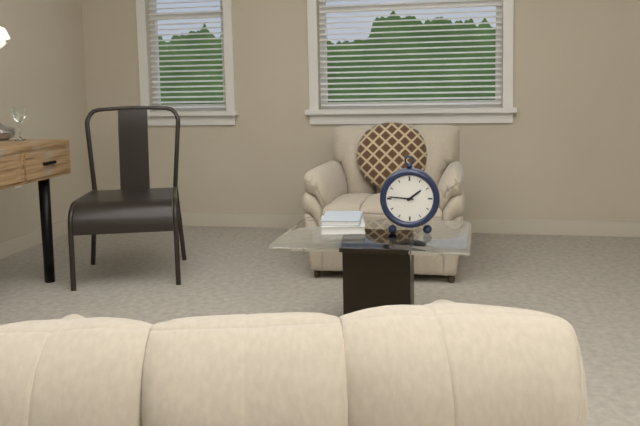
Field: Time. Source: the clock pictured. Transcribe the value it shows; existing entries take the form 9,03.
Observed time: 1,46
